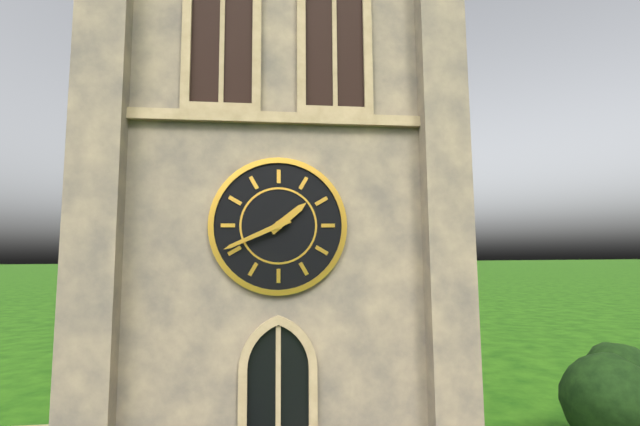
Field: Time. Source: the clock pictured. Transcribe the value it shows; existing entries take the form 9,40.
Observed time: 1,41
